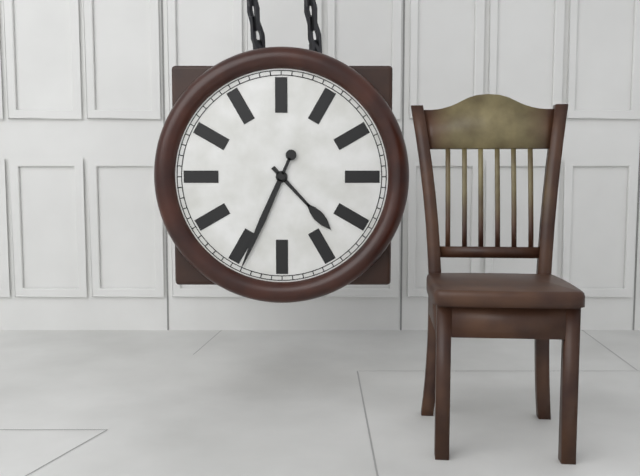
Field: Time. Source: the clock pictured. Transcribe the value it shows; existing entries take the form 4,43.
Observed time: 4,34
